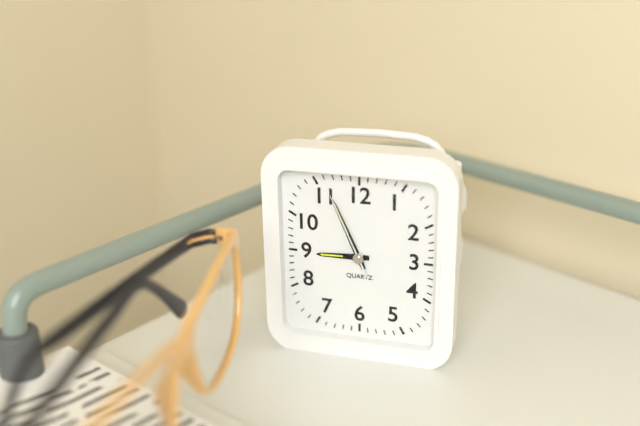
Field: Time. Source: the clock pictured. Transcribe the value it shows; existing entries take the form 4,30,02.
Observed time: 8,56,56
